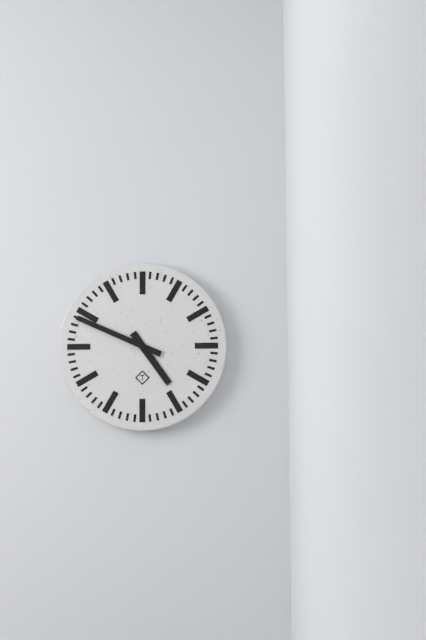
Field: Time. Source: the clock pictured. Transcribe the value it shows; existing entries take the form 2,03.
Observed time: 4,49
